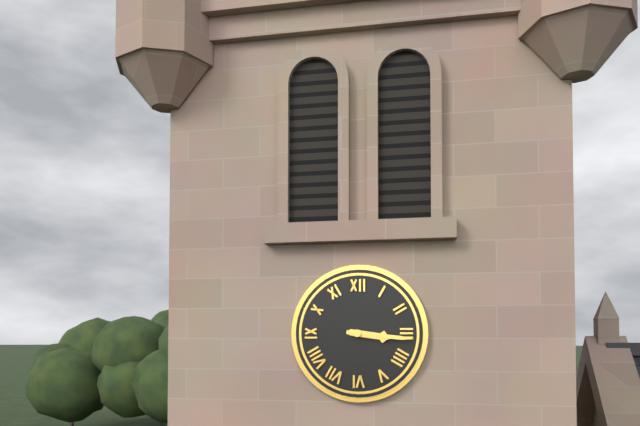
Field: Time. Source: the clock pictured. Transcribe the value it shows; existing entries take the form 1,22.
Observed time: 3,16
